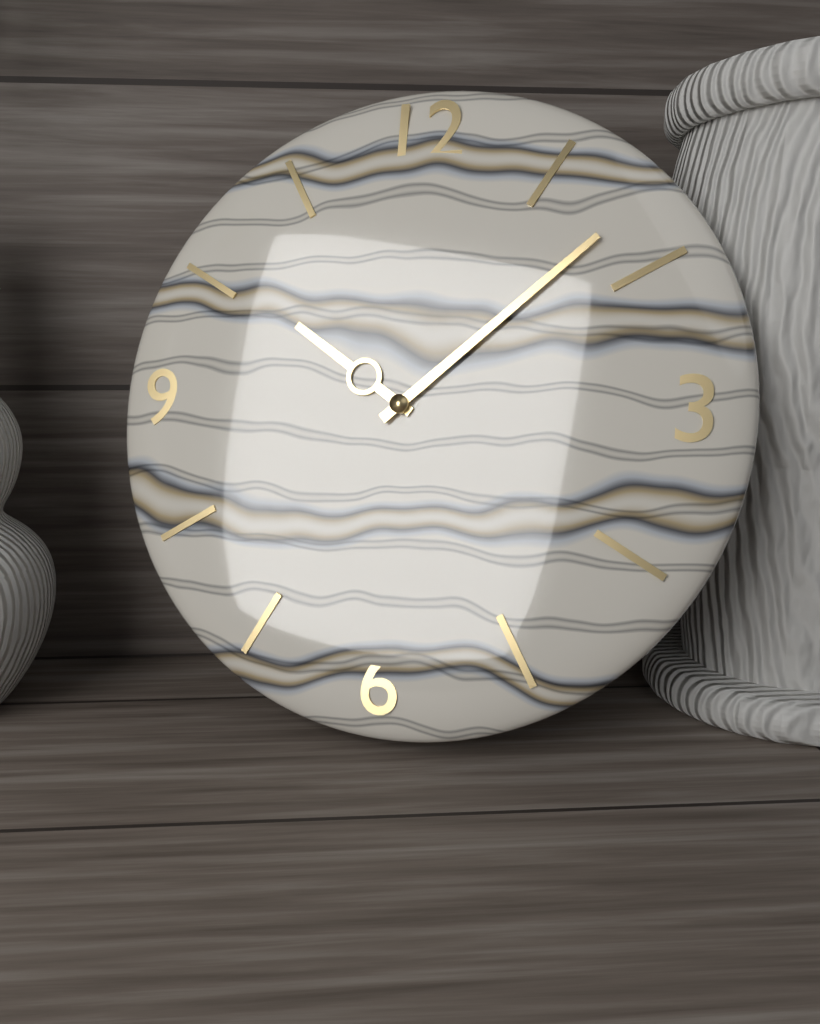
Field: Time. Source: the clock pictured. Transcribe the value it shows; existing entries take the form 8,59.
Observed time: 10,08
